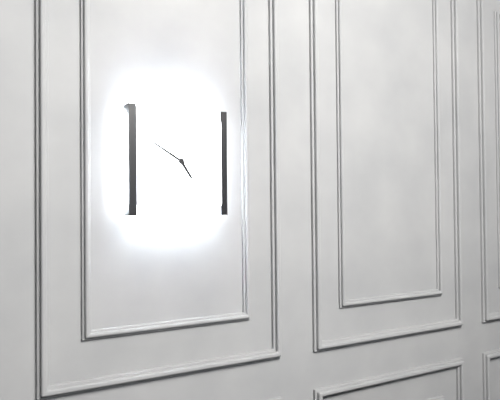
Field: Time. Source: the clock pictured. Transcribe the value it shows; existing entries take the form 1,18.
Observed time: 4,50
